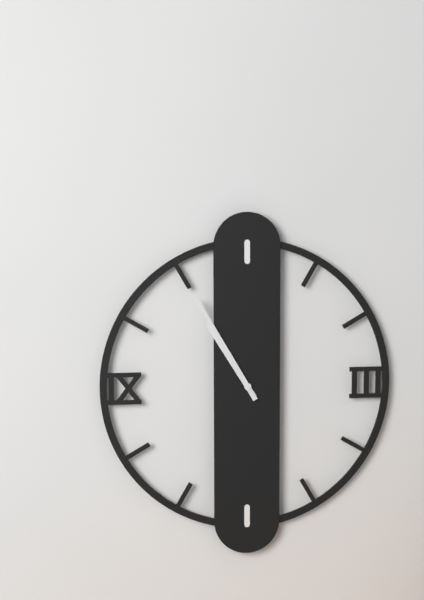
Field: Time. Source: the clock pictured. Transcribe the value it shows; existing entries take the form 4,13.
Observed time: 10,55
